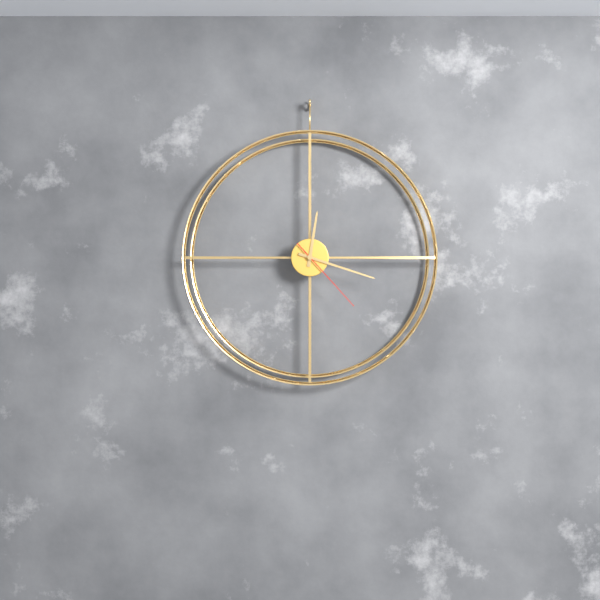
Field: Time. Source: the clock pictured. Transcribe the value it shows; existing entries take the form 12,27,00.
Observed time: 12,18,23
